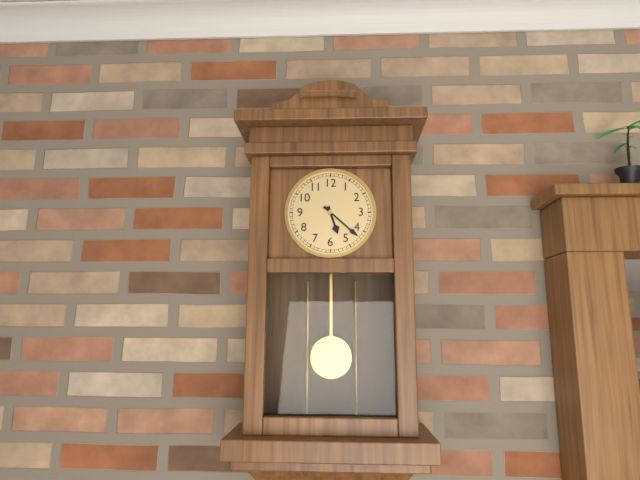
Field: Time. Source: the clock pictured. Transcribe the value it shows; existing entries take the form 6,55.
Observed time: 5,22
